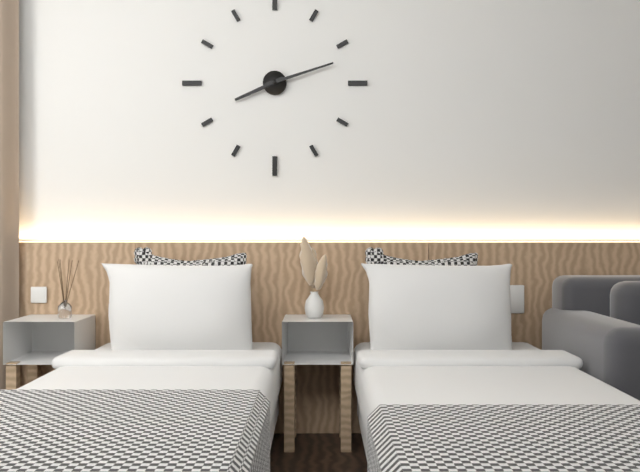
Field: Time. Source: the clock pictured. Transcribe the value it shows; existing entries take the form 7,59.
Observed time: 8,12
